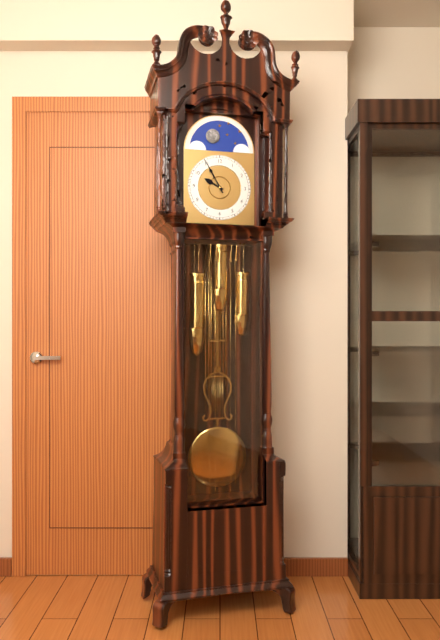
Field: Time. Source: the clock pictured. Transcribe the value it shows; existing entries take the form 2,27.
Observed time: 9,55
